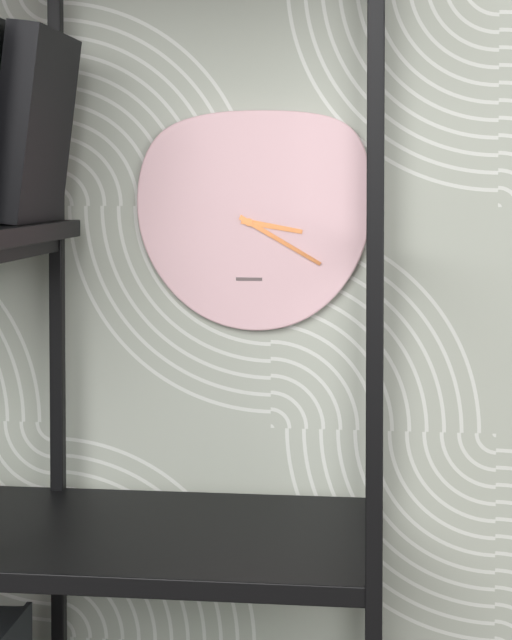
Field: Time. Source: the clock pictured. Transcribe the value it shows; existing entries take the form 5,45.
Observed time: 3,20
